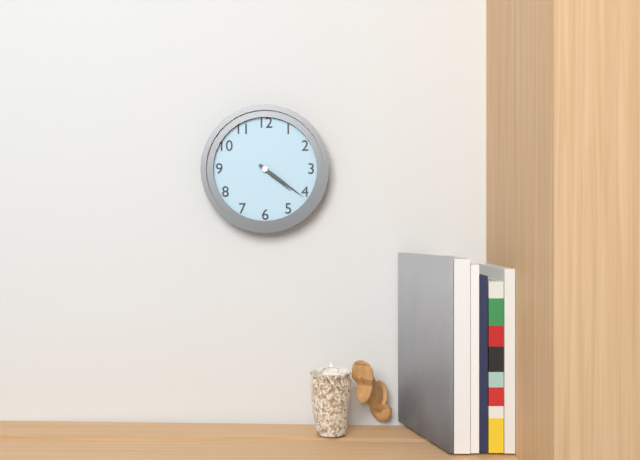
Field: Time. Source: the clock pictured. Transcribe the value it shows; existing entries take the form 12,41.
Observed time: 4,21
